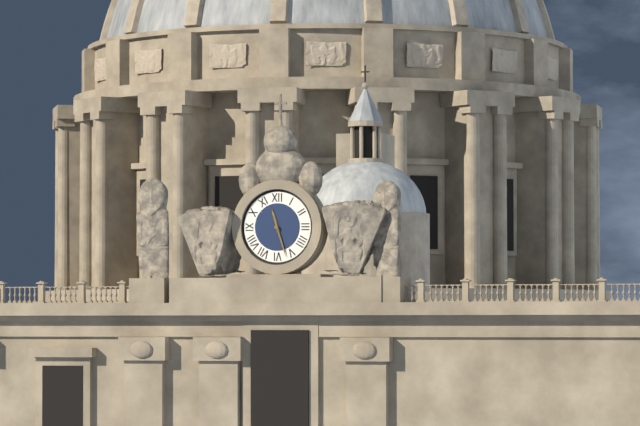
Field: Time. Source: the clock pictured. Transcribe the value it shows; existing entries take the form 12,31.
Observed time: 11,27
